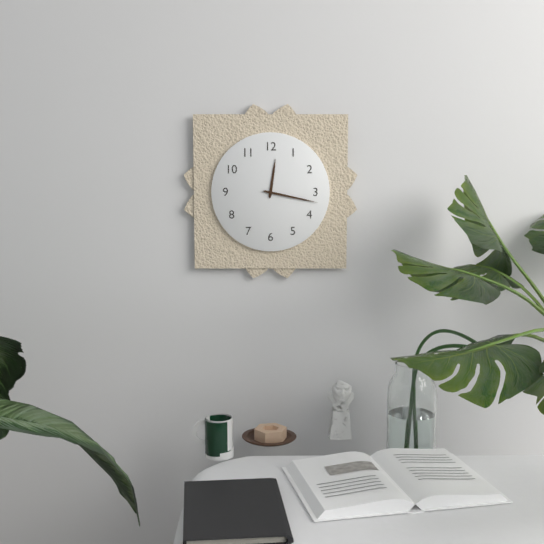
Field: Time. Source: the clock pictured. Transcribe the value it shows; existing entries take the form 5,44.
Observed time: 12,17
